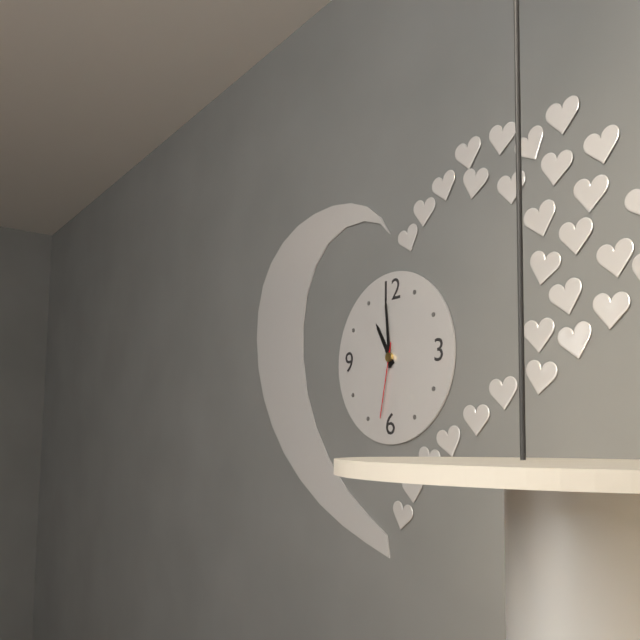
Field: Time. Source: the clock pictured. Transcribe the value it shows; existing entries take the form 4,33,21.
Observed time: 10,59,32
